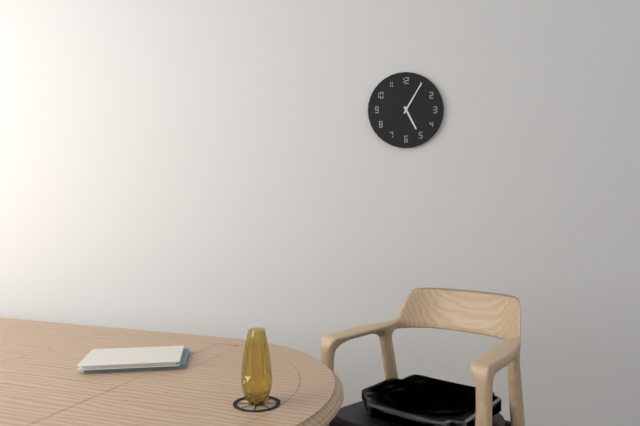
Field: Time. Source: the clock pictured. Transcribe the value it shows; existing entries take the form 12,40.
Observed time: 5,05
